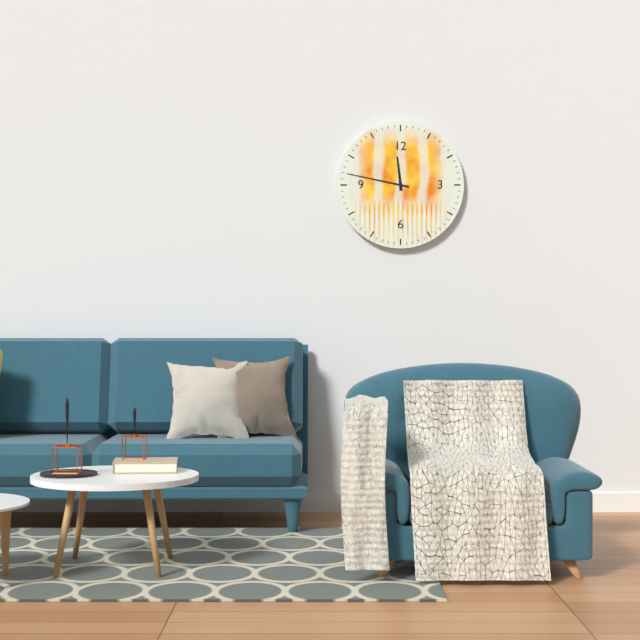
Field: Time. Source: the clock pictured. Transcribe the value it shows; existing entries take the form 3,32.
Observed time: 11,47
